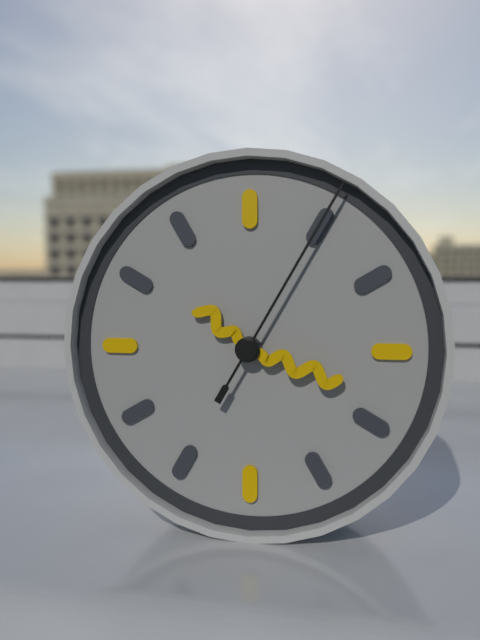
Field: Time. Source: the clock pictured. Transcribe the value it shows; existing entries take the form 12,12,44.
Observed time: 10,18,05
